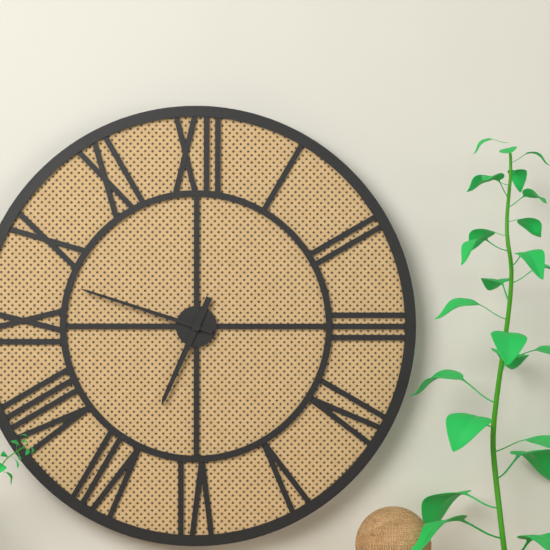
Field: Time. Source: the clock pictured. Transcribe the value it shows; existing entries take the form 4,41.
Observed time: 6,48
